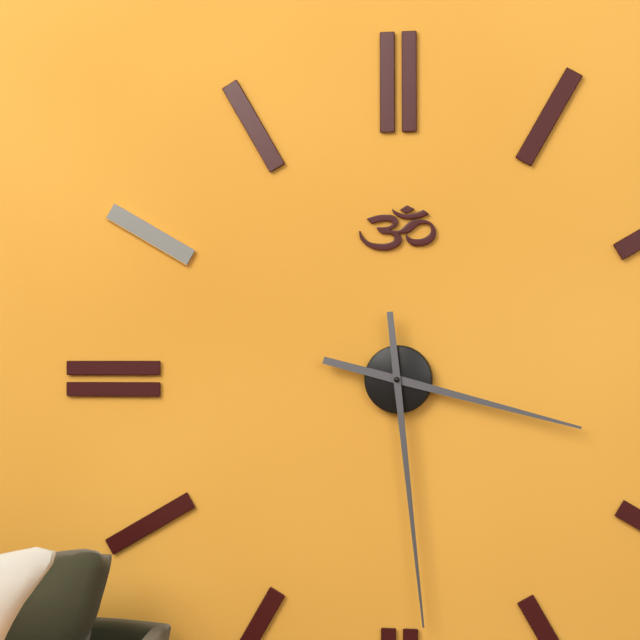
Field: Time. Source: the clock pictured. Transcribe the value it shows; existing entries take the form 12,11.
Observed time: 3,29
